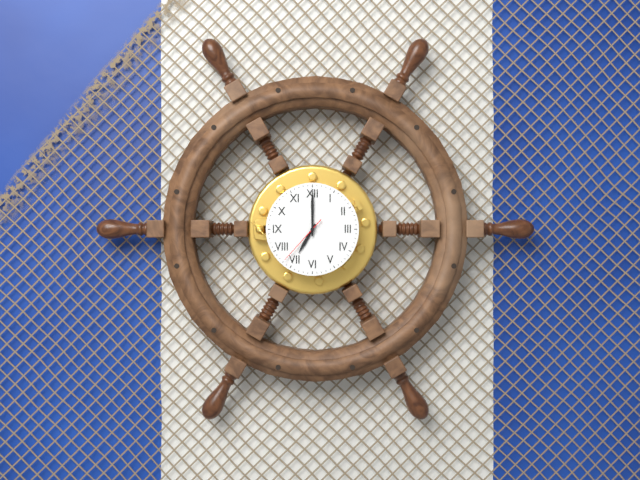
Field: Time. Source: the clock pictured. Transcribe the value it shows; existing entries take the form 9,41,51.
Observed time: 7,00,37
